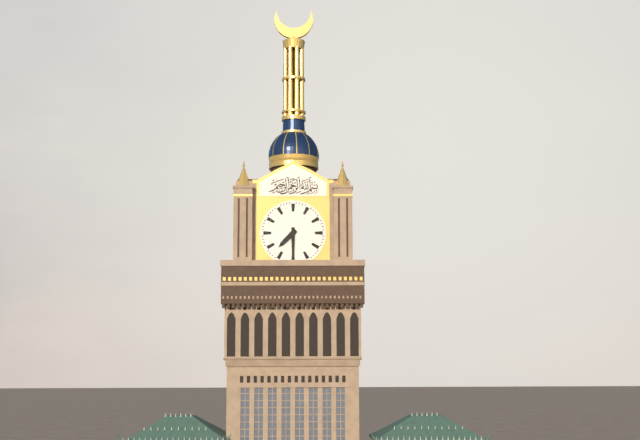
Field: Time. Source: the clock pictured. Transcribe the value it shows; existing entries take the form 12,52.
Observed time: 7,30
